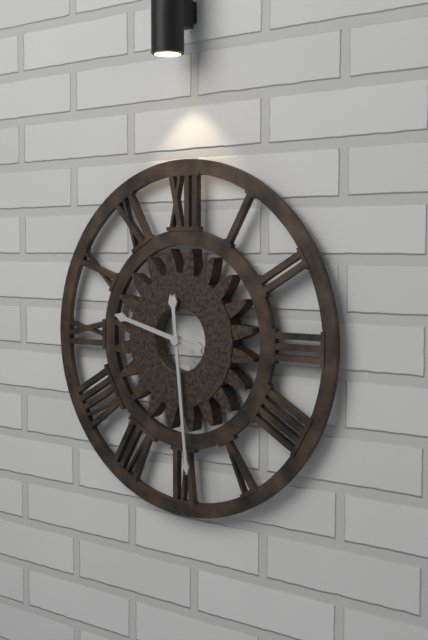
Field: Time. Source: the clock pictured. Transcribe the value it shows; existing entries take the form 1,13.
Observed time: 9,29
